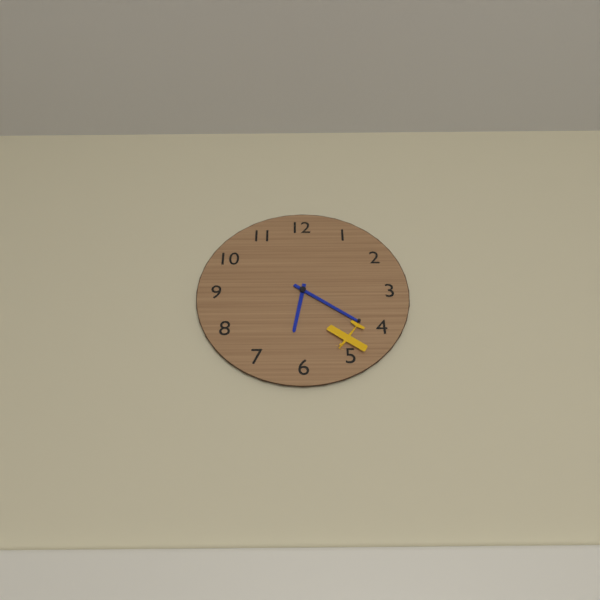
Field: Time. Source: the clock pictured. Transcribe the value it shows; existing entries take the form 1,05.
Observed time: 6,21
